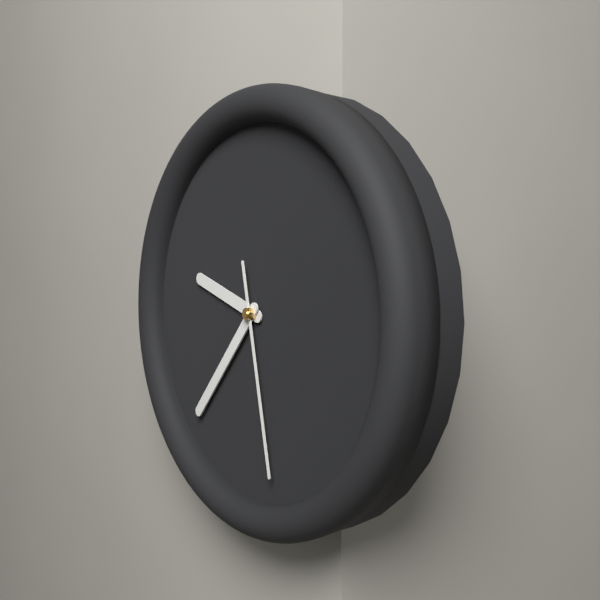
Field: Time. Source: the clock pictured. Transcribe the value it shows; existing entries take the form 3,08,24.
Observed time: 9,37,28
